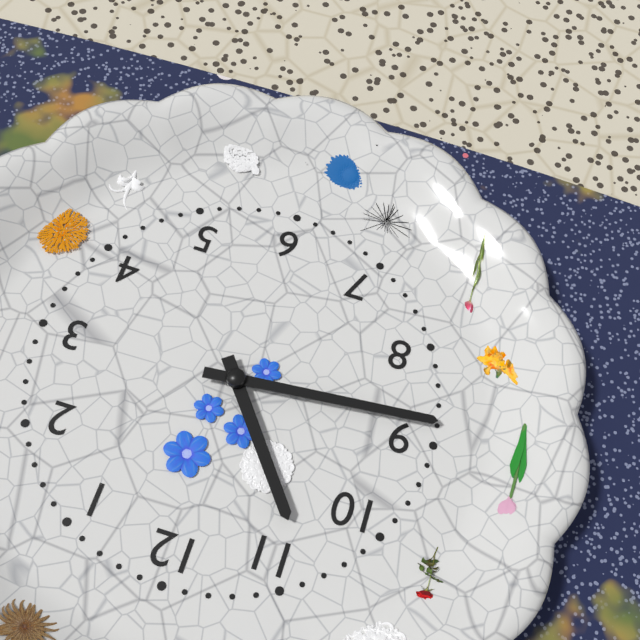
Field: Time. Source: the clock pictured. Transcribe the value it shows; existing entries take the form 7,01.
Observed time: 10,44
